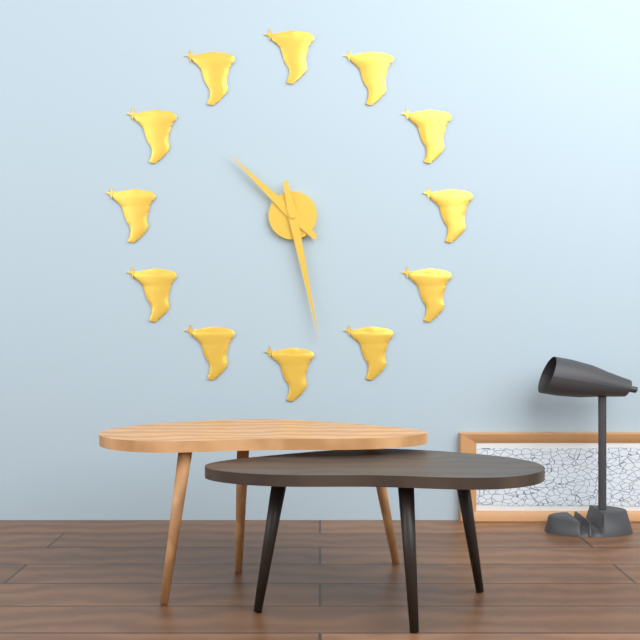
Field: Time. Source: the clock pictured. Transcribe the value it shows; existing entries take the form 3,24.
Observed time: 10,28
